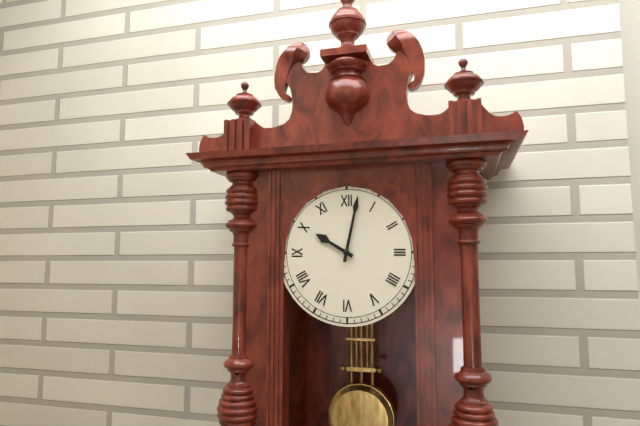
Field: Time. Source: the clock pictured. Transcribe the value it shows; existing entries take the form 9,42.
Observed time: 10,02
